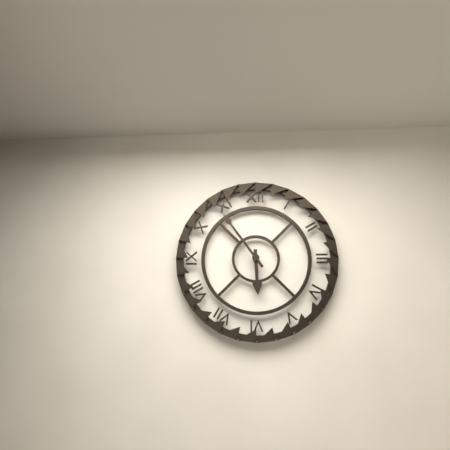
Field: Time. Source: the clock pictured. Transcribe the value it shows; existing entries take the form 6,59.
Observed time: 5,54
